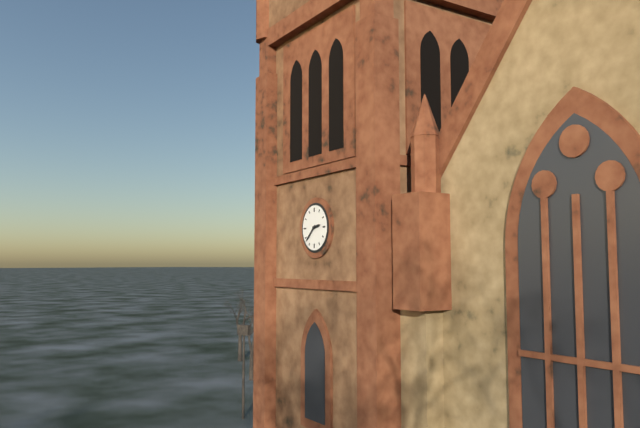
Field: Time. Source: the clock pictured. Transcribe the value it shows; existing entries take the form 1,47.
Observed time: 2,38
